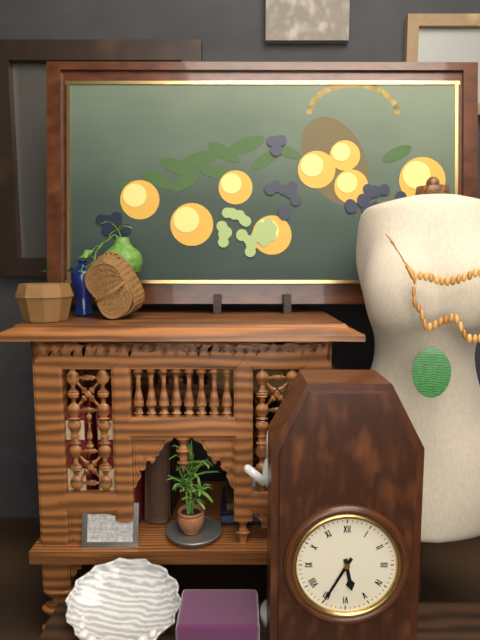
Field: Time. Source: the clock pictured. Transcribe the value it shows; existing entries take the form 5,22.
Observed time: 5,35
